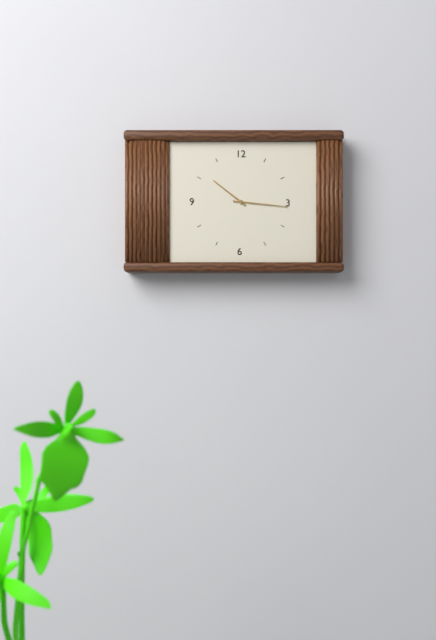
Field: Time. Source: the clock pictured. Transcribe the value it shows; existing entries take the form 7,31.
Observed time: 10,16
